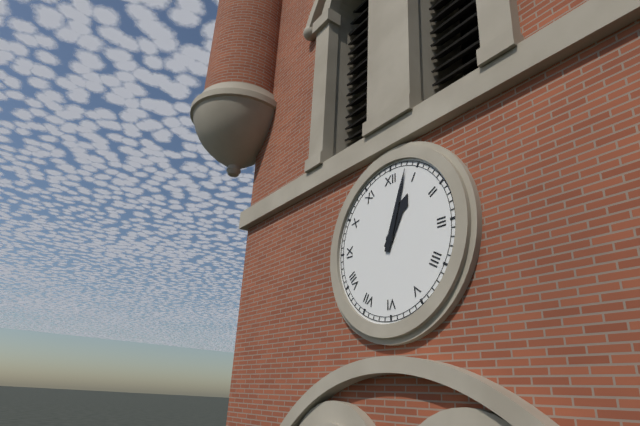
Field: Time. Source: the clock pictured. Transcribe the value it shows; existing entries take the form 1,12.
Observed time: 1,03
